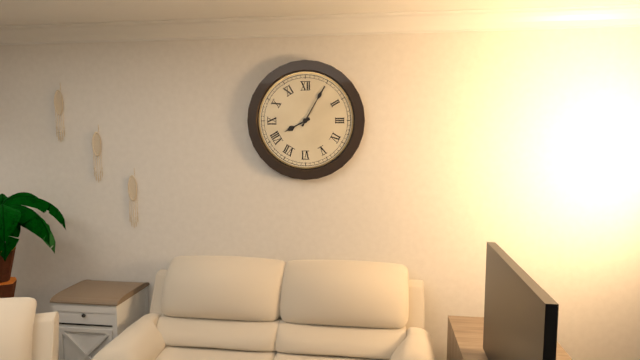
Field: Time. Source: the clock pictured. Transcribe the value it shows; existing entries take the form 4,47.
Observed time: 8,05
